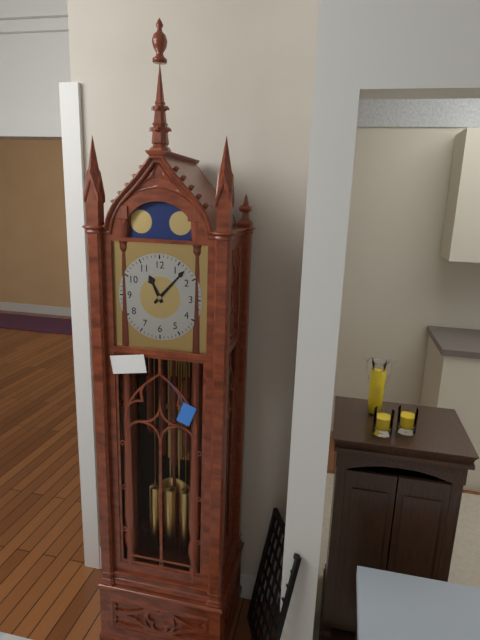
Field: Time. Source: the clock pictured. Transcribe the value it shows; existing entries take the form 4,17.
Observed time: 11,07
